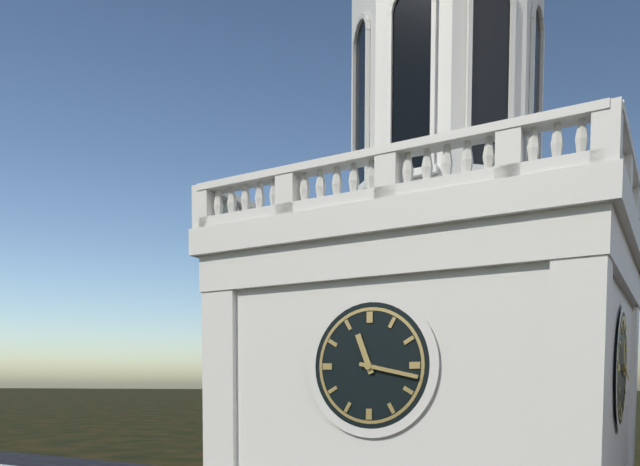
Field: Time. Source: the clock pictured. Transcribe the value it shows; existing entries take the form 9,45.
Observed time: 11,17
